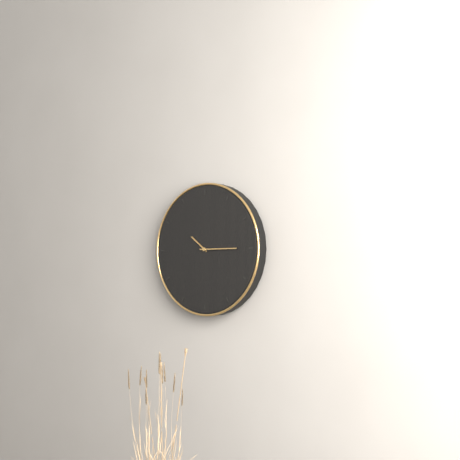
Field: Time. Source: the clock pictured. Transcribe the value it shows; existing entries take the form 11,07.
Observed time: 10,15
